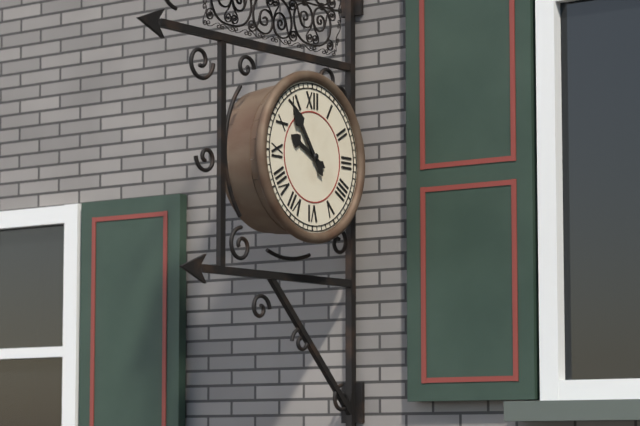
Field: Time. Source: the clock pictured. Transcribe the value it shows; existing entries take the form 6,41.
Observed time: 9,54
